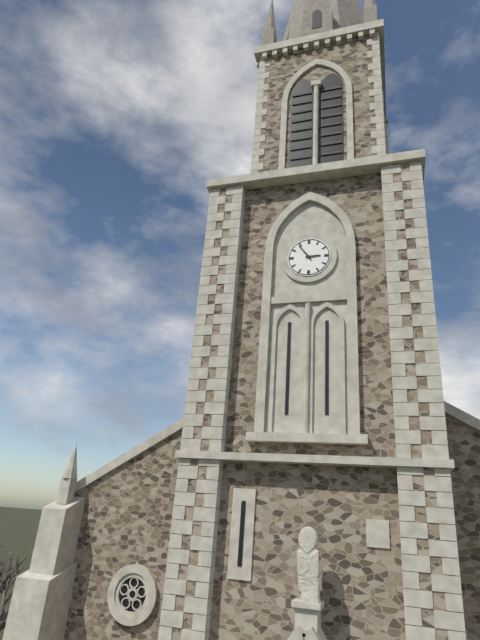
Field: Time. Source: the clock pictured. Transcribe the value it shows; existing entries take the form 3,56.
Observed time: 2,54
